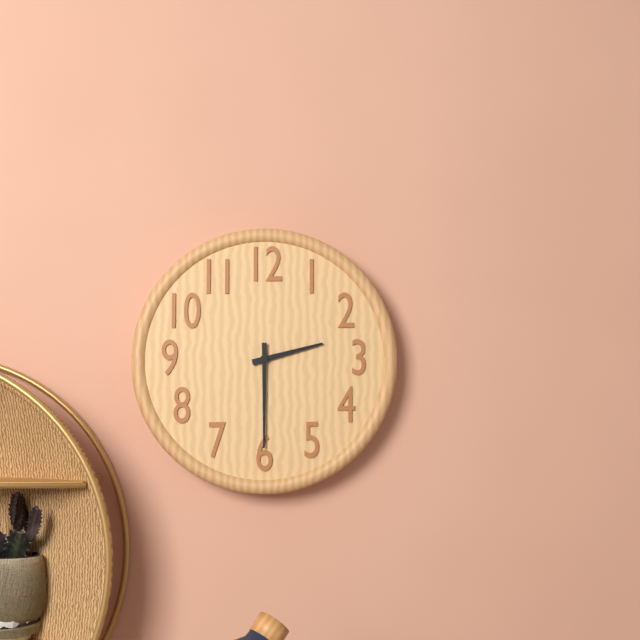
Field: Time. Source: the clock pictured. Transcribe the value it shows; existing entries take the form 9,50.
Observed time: 2,30
